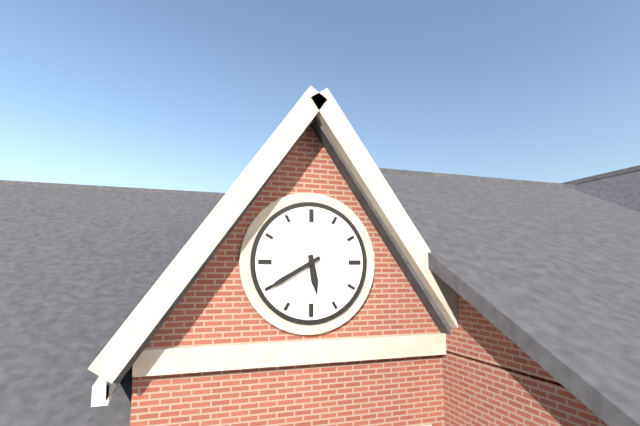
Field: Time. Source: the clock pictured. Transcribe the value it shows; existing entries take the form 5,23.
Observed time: 5,40
